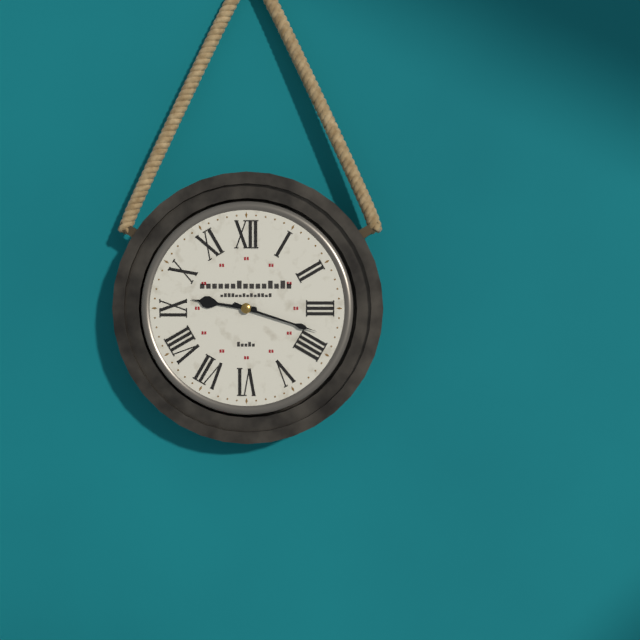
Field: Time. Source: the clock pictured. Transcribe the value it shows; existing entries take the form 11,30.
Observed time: 9,18
